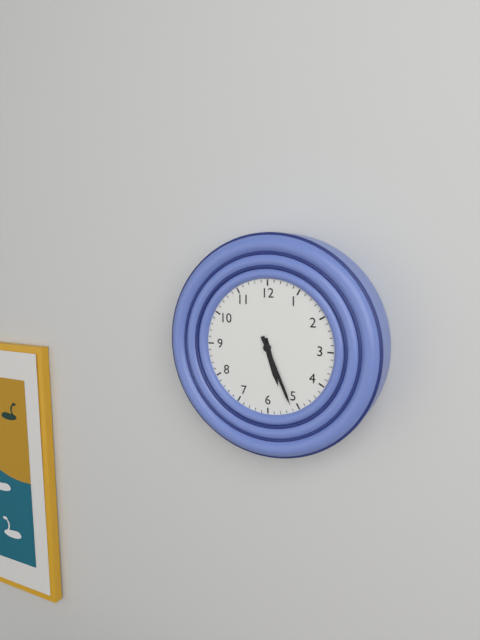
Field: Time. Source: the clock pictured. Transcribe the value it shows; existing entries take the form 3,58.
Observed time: 5,26
